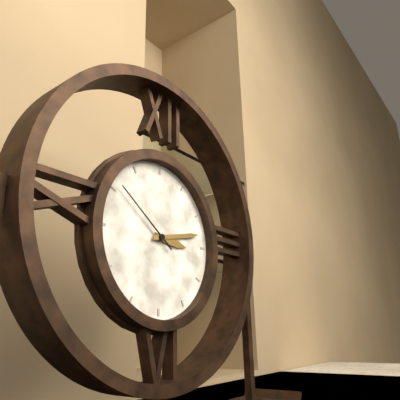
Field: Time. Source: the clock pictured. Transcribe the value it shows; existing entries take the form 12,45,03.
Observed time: 3,13,51
